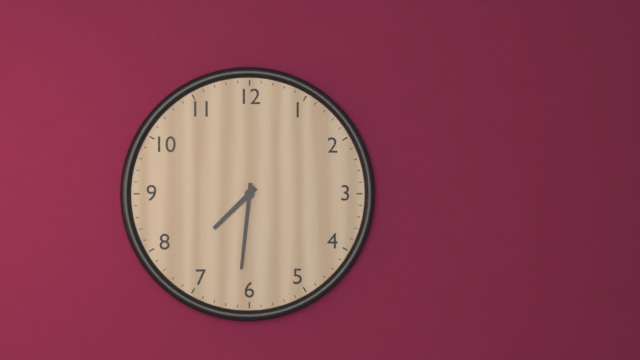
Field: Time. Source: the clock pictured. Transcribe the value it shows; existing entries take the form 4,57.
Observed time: 7,31
